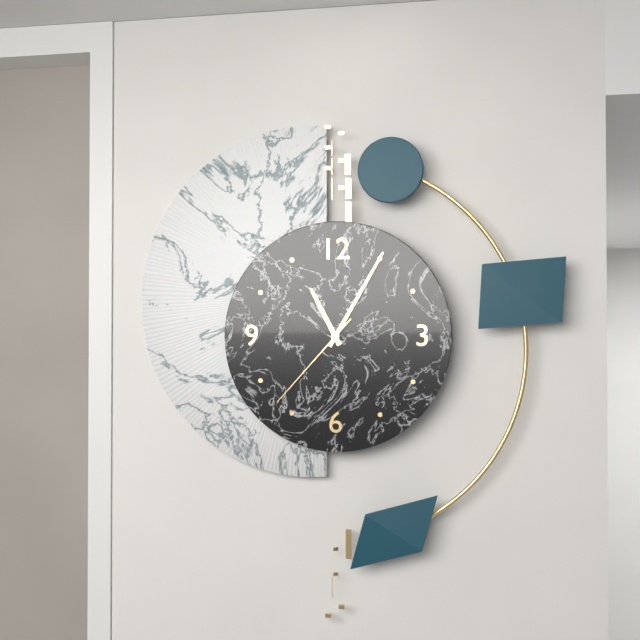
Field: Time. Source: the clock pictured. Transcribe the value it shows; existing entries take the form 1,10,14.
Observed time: 11,05,37
